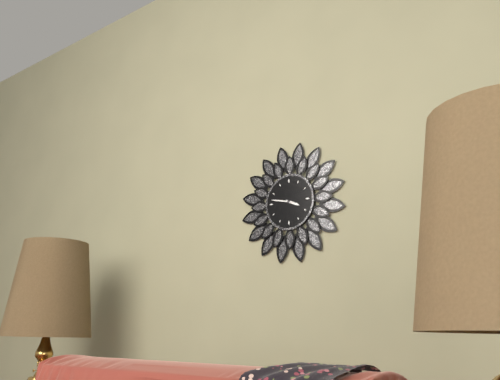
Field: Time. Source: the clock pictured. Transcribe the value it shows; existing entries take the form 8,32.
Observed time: 3,47
